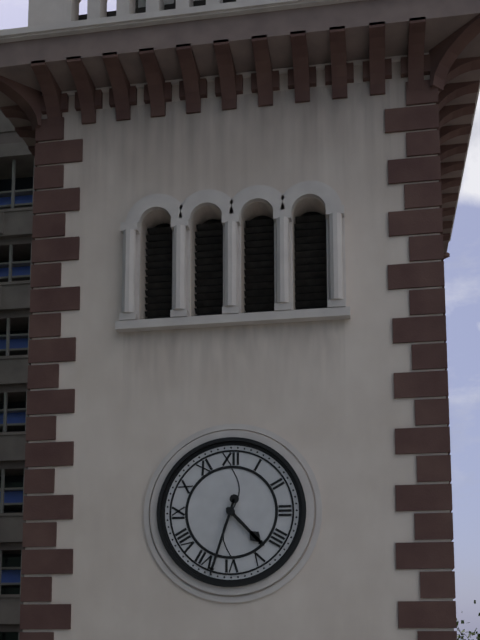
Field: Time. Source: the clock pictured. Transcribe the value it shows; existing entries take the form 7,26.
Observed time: 4,33
